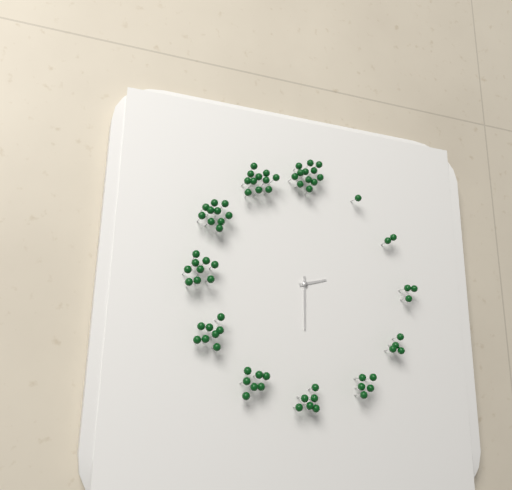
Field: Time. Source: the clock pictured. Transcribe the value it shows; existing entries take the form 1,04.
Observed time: 2,30
